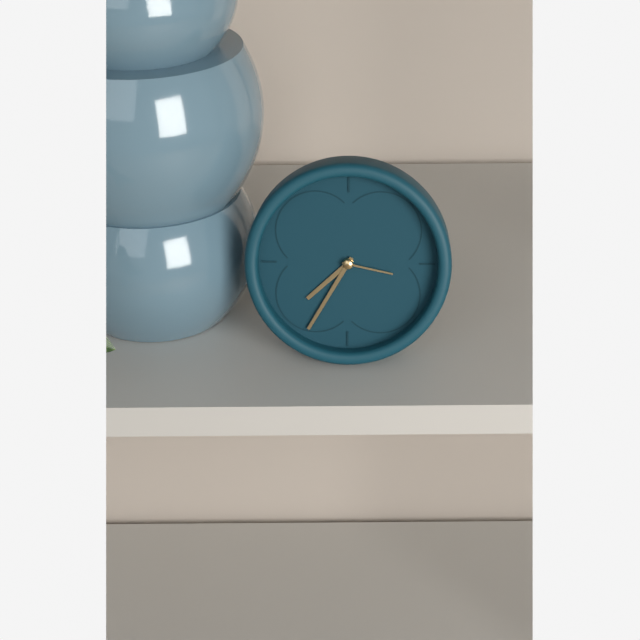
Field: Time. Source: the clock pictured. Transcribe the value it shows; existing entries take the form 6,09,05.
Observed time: 7,35,17
